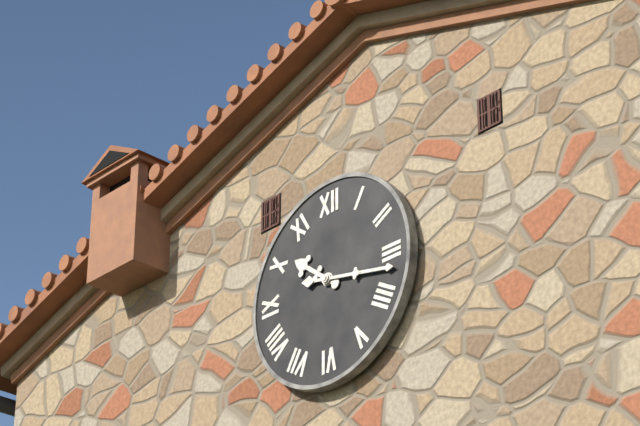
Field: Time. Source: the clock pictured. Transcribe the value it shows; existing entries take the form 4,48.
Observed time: 10,17
